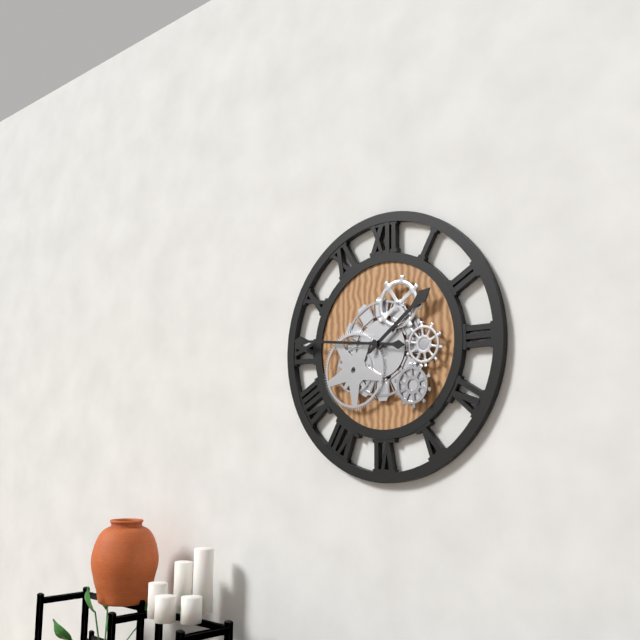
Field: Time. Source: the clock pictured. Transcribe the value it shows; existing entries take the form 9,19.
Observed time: 1,46
